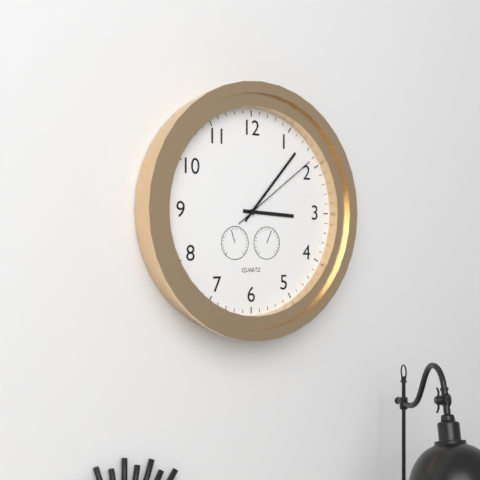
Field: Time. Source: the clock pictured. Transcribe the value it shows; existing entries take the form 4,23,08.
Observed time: 3,07,09
